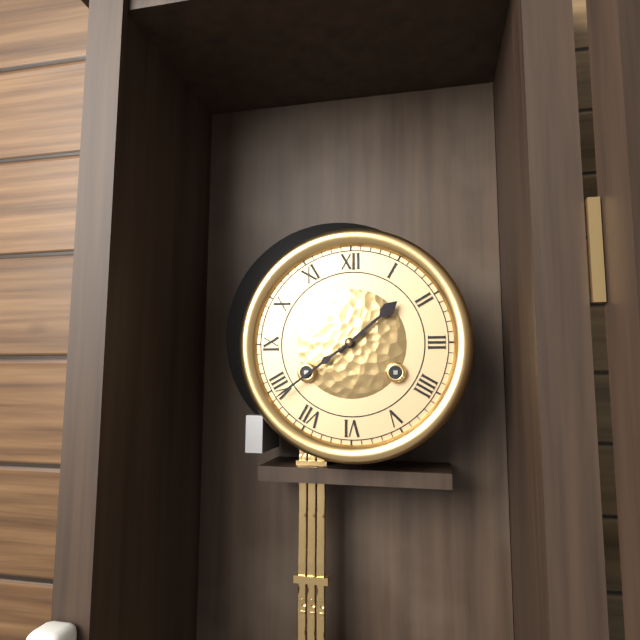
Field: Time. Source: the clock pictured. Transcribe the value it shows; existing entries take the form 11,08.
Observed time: 1,39
